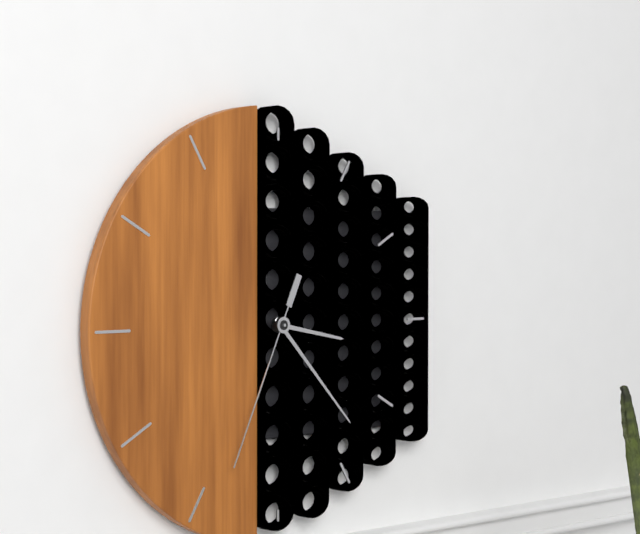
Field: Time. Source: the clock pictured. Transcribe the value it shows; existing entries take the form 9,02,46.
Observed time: 3,23,34
